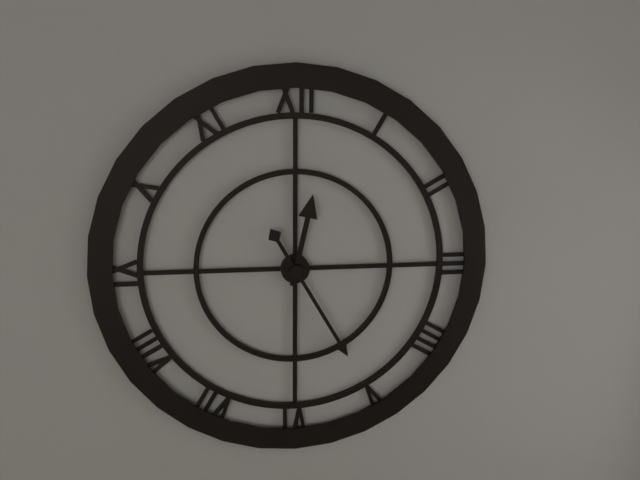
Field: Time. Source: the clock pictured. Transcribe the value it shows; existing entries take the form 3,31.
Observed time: 12,25
